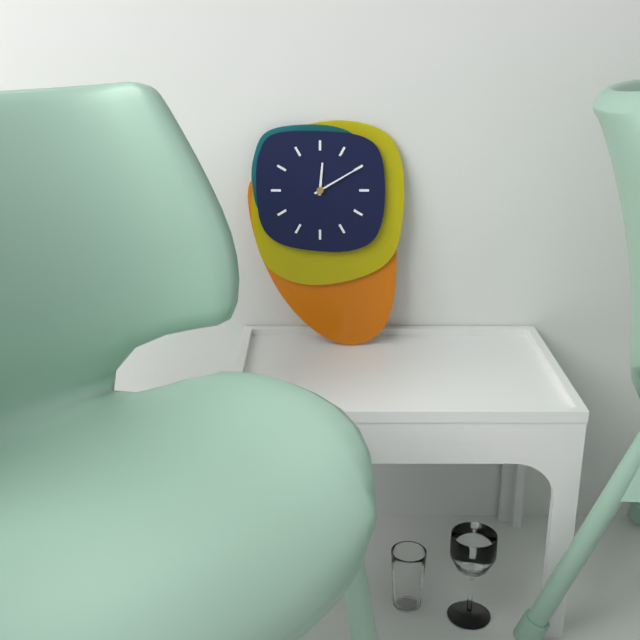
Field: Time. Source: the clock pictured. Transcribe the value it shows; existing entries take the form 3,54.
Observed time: 12,10
